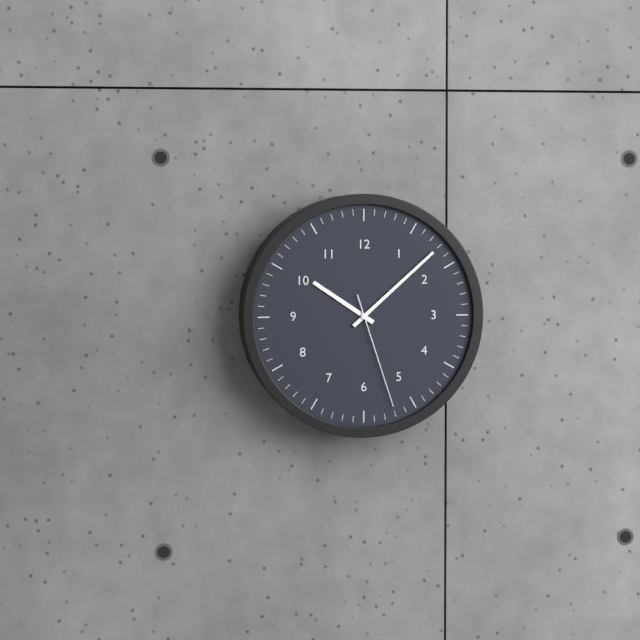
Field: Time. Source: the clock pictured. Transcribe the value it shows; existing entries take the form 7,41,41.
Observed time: 10,08,27
